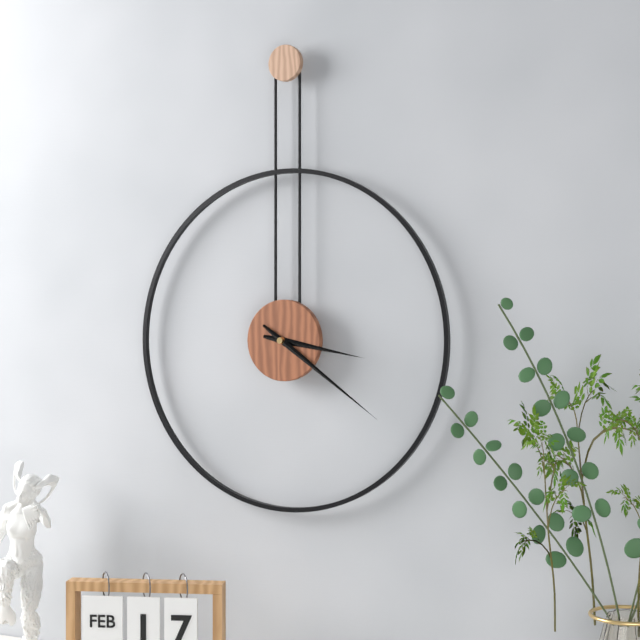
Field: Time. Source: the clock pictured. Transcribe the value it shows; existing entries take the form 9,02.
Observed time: 3,21
